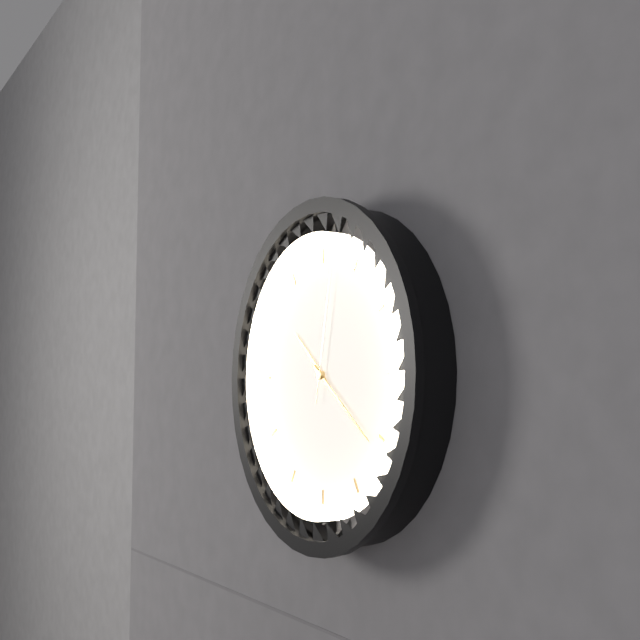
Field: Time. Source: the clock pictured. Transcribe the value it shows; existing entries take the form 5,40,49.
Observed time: 10,21,02
